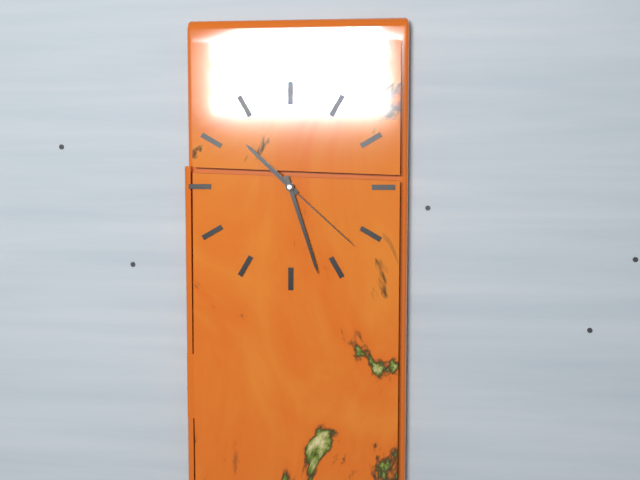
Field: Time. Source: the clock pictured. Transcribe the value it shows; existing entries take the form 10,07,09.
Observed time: 10,27,22
